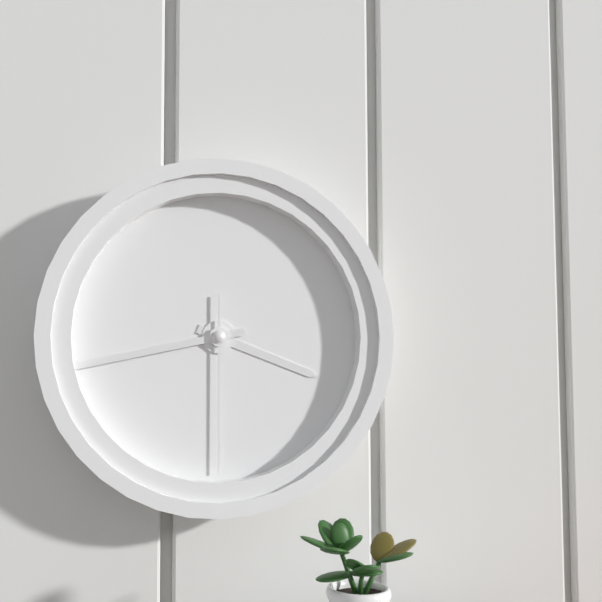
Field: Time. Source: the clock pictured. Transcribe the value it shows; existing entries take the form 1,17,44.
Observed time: 3,43,30
